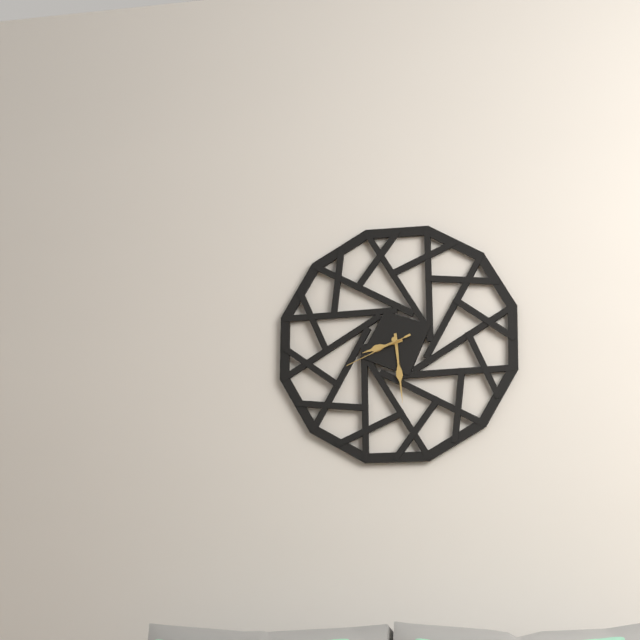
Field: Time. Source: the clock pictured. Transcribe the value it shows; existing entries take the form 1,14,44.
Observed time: 8,29,41
